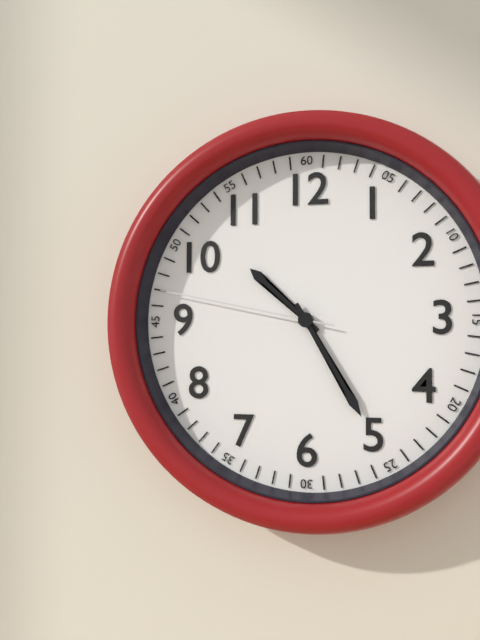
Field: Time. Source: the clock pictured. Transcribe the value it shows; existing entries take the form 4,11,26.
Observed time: 10,25,47
